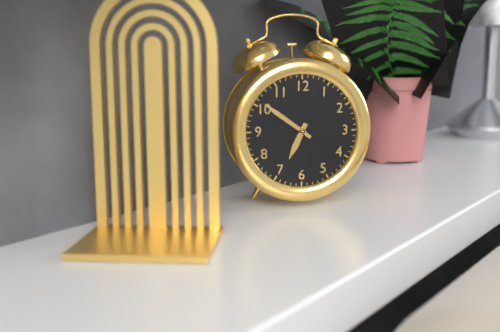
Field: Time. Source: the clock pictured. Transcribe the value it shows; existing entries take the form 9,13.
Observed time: 6,51
